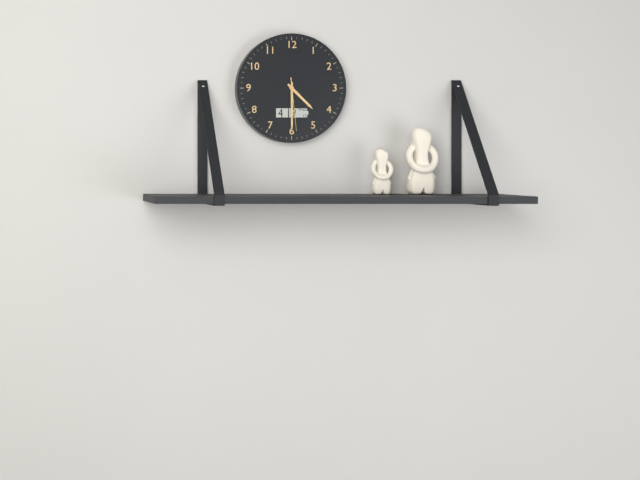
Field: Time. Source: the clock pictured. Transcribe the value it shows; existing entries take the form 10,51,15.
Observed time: 4,30,29
